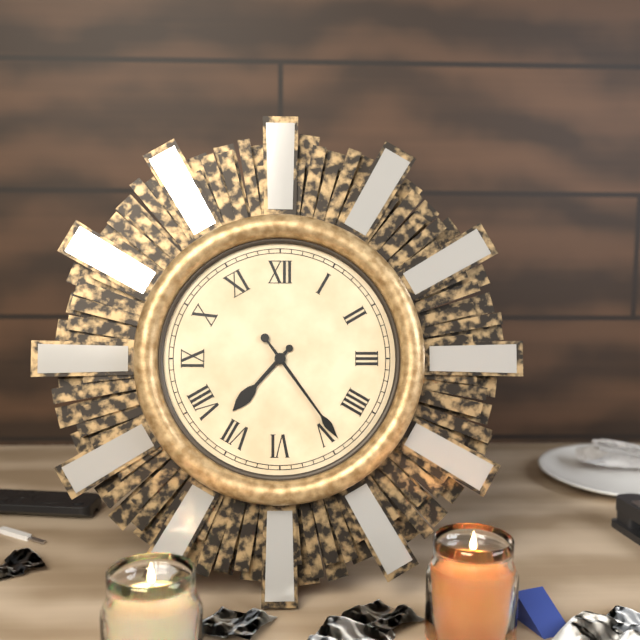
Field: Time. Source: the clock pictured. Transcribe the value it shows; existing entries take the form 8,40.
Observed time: 7,24
